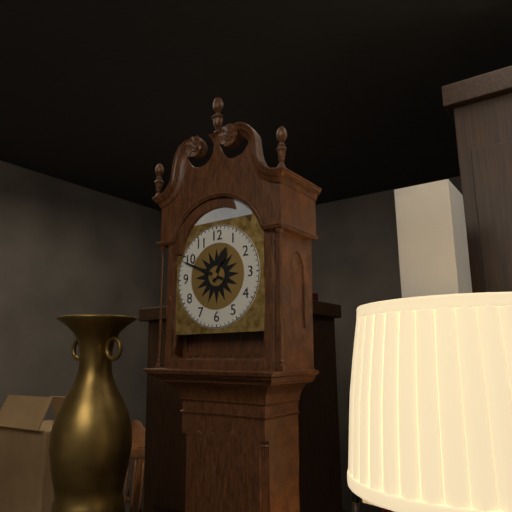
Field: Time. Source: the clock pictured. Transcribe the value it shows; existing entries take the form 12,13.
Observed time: 12,49
